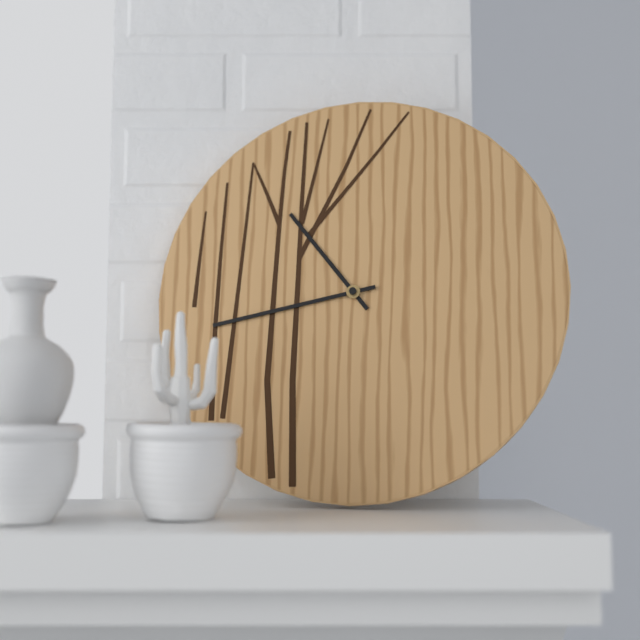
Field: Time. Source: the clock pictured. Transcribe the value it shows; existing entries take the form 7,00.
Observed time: 10,43
